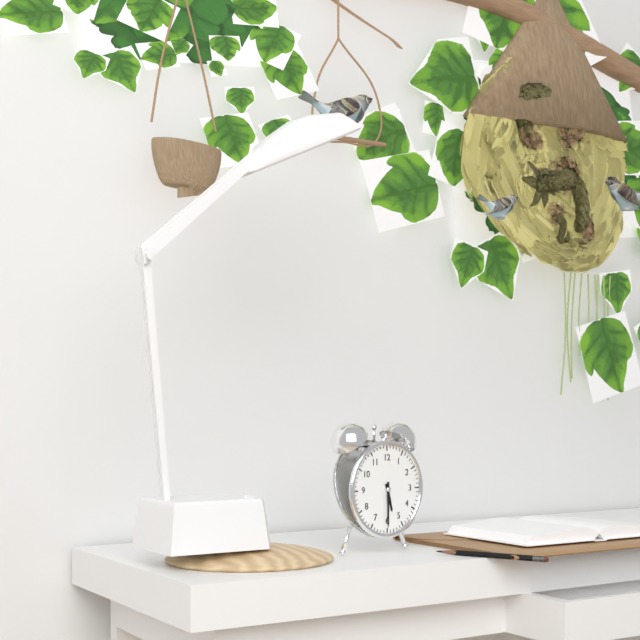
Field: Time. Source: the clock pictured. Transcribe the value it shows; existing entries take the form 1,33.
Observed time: 5,30
